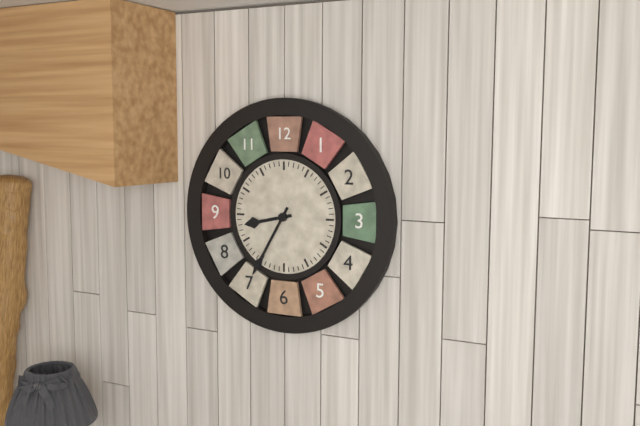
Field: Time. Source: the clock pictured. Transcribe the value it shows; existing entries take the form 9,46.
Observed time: 8,35
